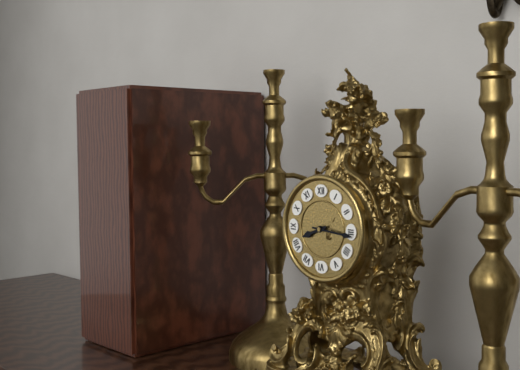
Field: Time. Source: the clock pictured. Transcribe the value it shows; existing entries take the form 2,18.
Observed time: 8,16
